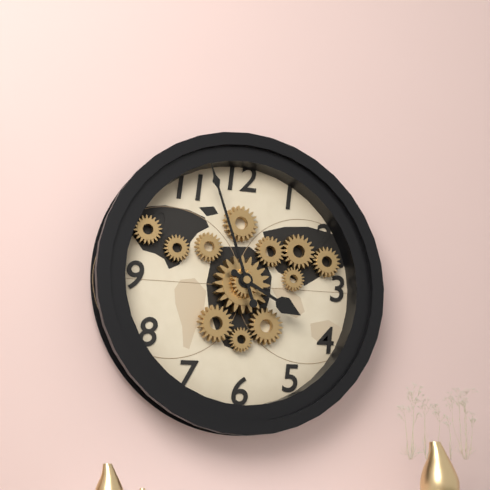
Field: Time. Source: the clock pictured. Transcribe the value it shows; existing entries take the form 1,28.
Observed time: 3,57
